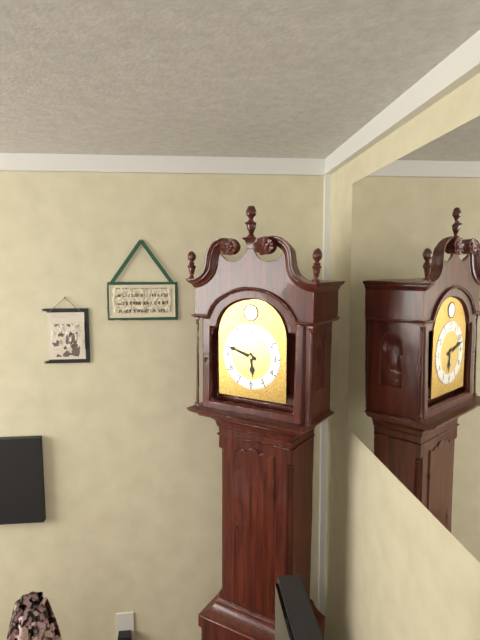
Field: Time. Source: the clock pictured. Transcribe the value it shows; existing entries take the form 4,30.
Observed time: 5,48
